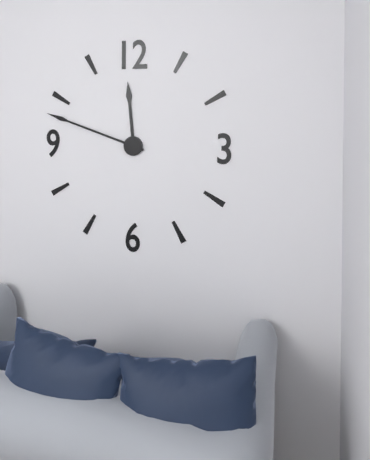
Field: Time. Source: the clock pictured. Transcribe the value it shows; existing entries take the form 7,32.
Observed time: 11,48
